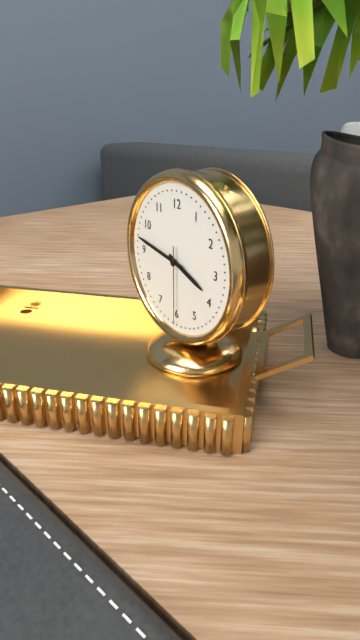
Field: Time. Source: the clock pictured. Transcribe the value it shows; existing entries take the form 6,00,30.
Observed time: 3,47,30
